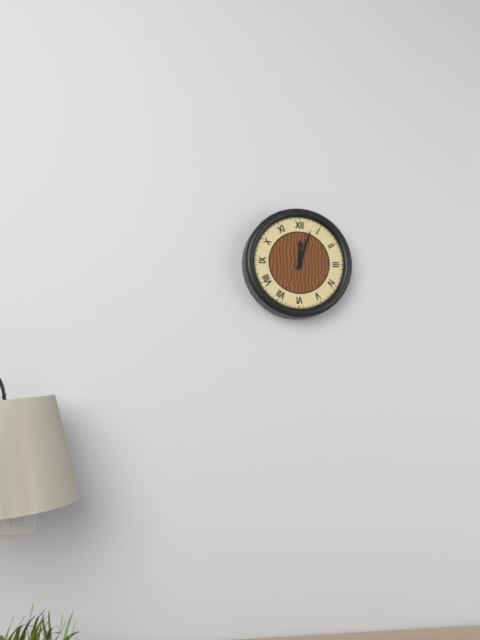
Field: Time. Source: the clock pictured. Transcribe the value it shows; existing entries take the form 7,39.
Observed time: 12,03
